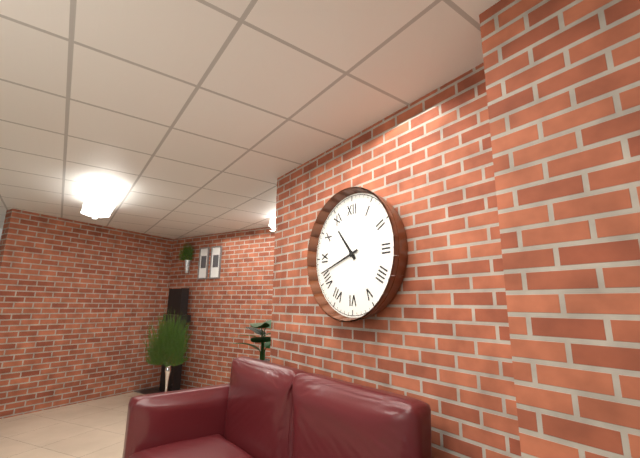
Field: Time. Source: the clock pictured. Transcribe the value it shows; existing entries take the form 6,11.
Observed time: 10,42
